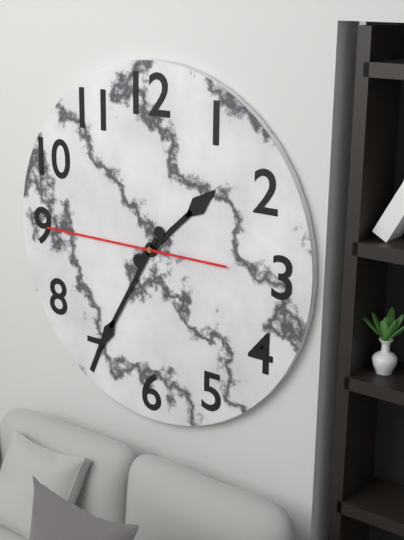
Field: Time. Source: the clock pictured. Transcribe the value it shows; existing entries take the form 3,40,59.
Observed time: 1,35,45
